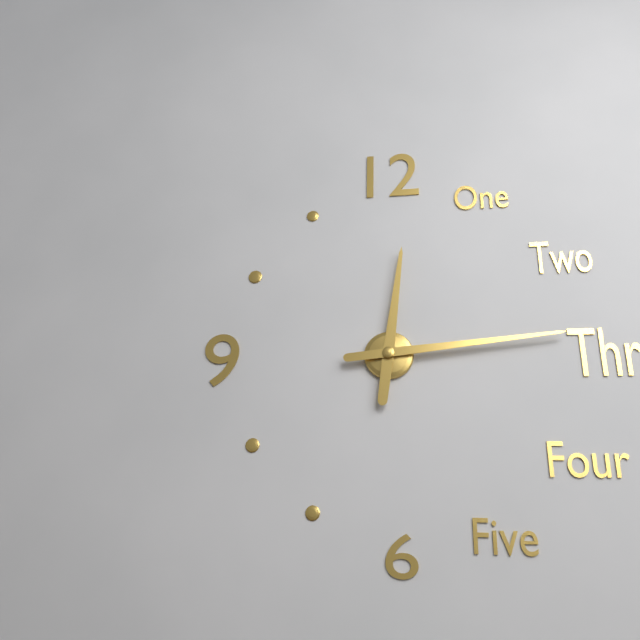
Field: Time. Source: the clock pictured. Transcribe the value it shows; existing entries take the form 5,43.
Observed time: 12,14
